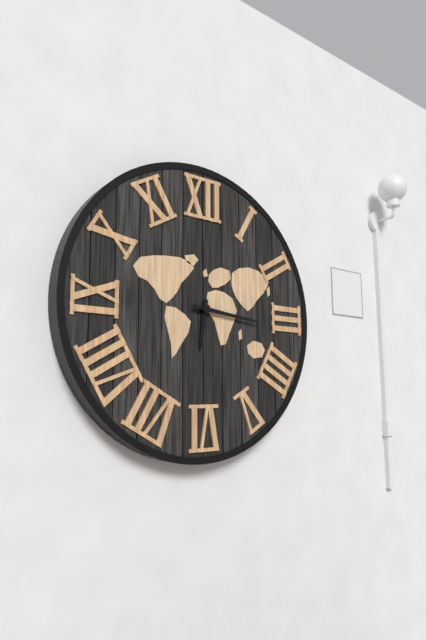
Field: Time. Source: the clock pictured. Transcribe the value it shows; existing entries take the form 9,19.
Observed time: 6,16
